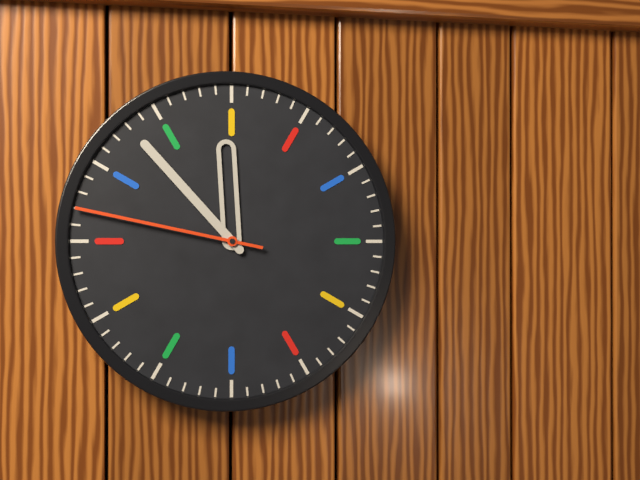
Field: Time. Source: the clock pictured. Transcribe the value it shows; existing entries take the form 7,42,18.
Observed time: 11,53,47
